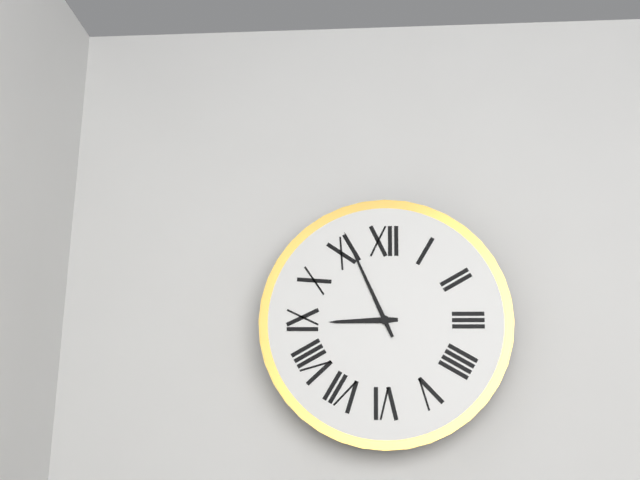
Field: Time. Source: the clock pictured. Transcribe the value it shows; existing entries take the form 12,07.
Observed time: 8,56
